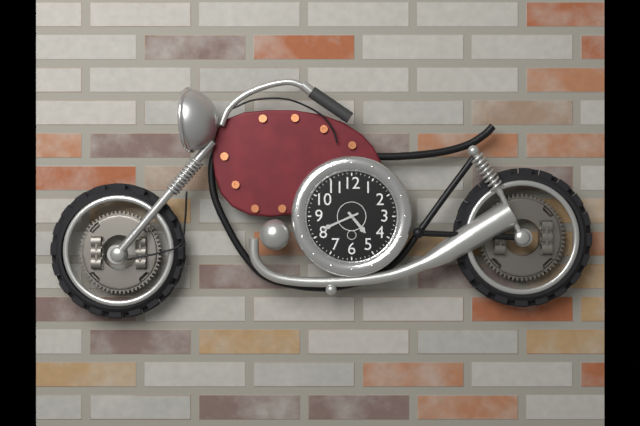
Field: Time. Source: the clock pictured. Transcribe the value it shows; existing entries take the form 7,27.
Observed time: 4,41
